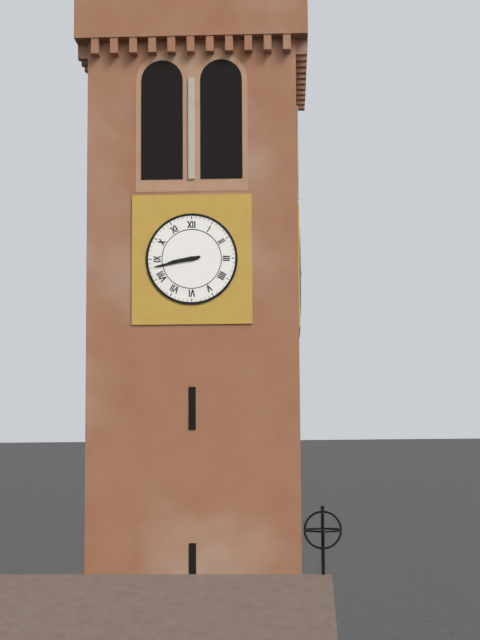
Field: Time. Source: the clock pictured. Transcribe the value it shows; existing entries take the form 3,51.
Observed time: 8,43
